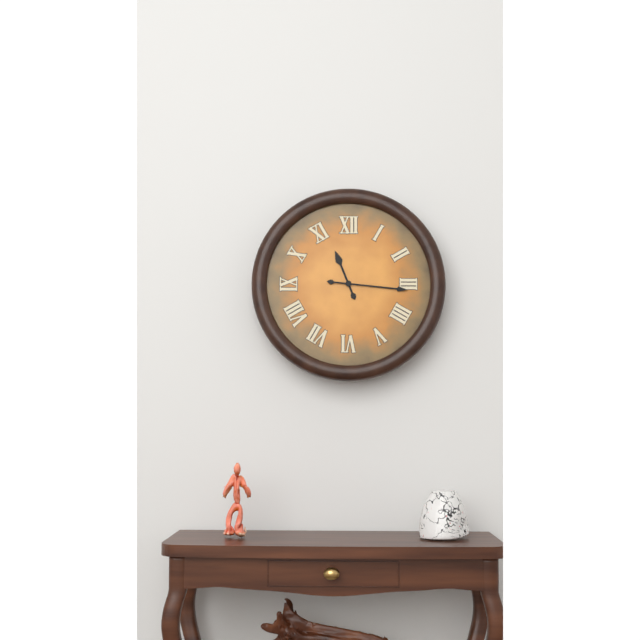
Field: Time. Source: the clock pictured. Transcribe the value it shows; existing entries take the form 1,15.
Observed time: 11,16
